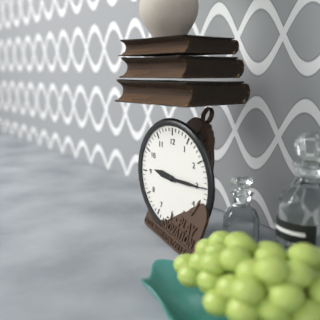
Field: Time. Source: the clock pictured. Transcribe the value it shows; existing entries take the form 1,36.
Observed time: 9,15
